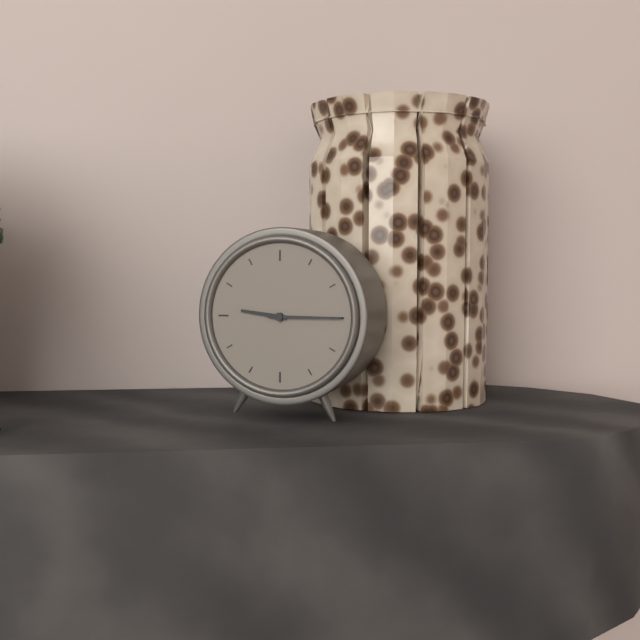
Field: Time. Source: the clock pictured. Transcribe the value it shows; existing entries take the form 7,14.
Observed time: 9,15
